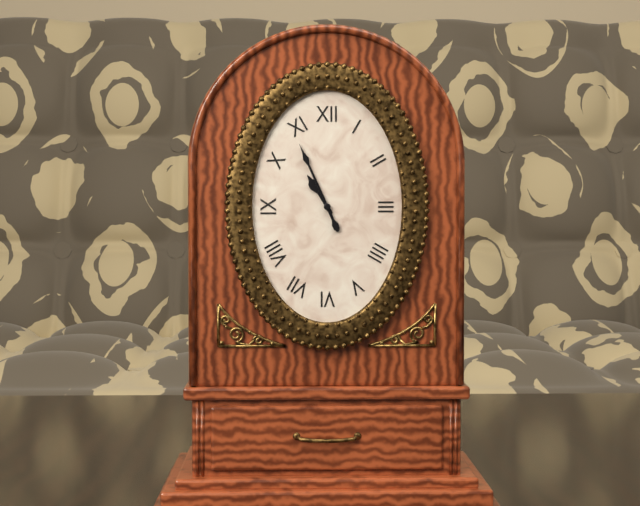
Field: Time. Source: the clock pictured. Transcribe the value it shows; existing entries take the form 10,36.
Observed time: 10,56
